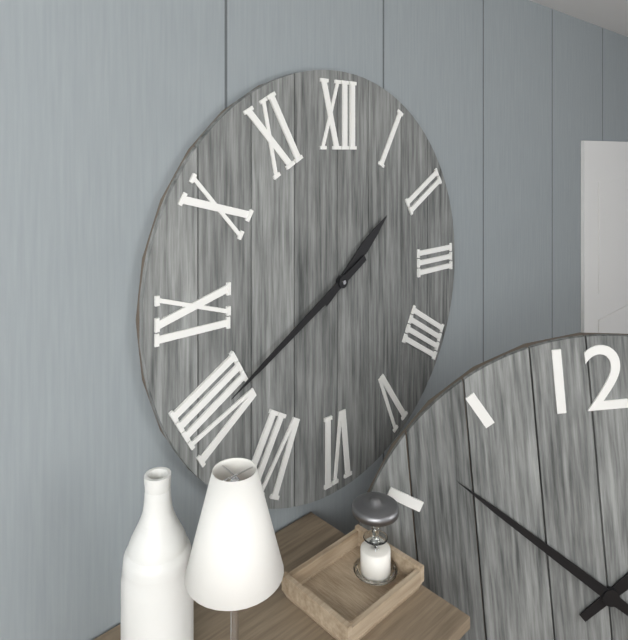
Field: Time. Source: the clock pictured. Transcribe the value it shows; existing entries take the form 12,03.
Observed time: 1,40
